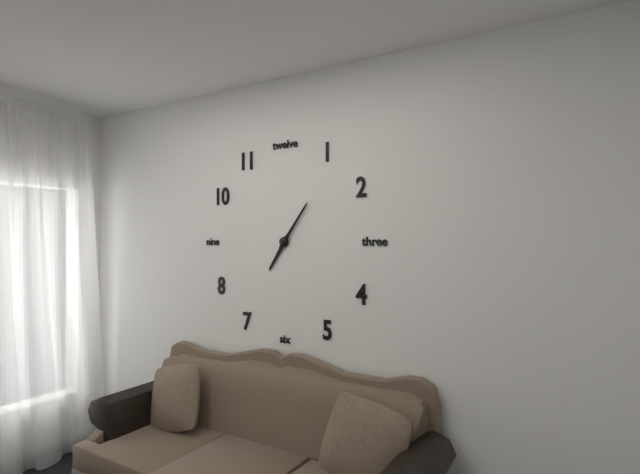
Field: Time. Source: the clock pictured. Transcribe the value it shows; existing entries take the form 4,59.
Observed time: 7,06
